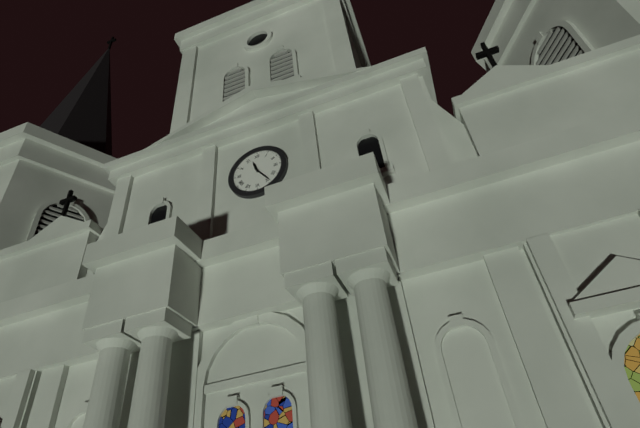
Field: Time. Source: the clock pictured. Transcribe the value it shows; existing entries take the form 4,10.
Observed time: 11,24
